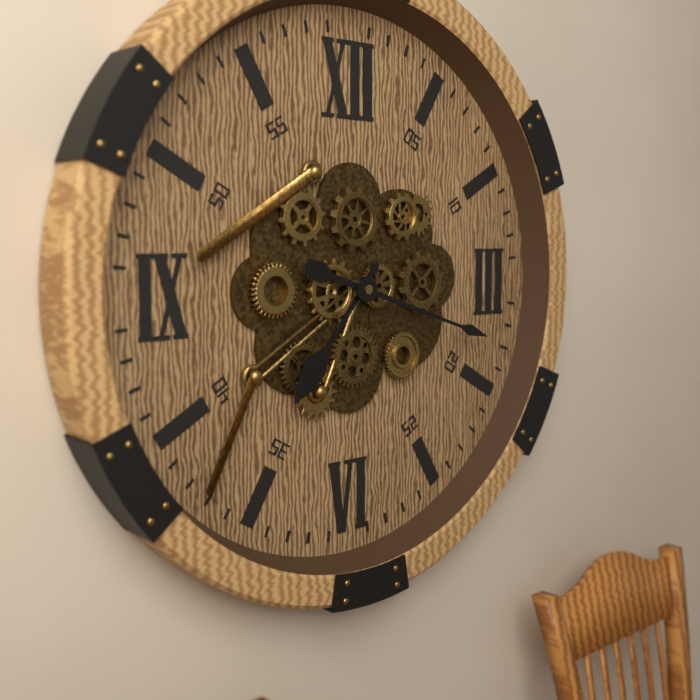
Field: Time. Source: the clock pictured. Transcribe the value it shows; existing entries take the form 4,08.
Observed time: 7,18
